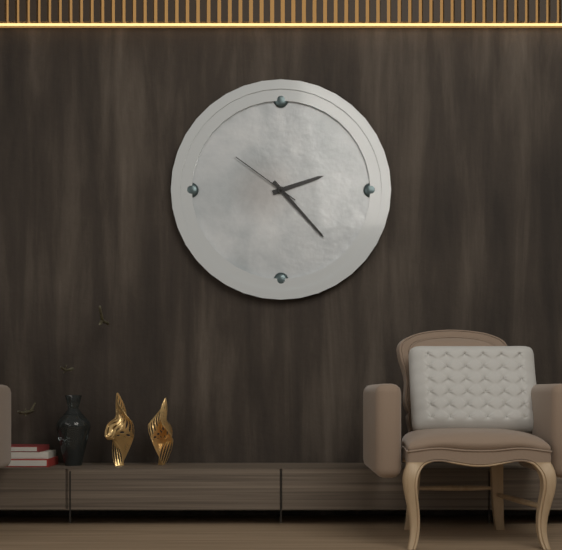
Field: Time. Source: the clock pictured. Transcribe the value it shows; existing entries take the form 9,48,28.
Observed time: 2,23,51
